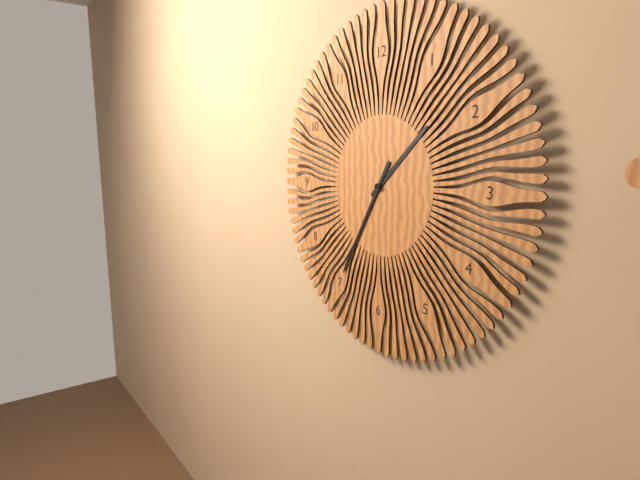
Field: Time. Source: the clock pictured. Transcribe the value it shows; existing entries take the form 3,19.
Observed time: 1,35
